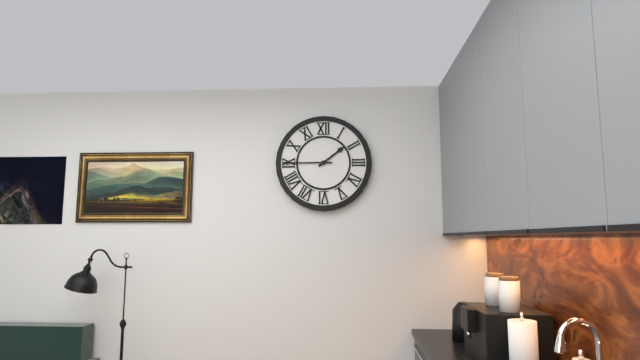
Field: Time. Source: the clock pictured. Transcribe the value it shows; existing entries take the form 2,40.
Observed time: 1,45
